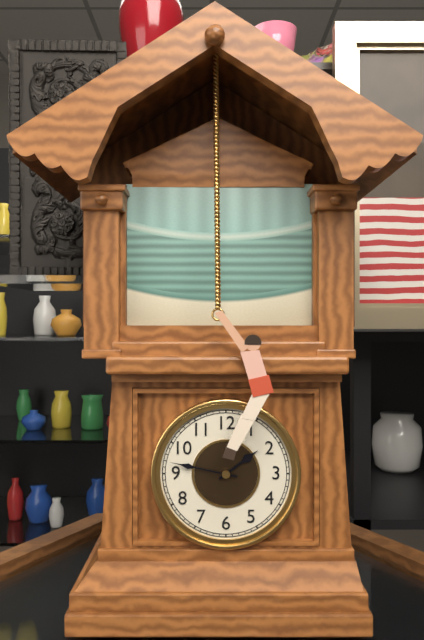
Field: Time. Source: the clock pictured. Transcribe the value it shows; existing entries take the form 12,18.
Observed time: 1,47
